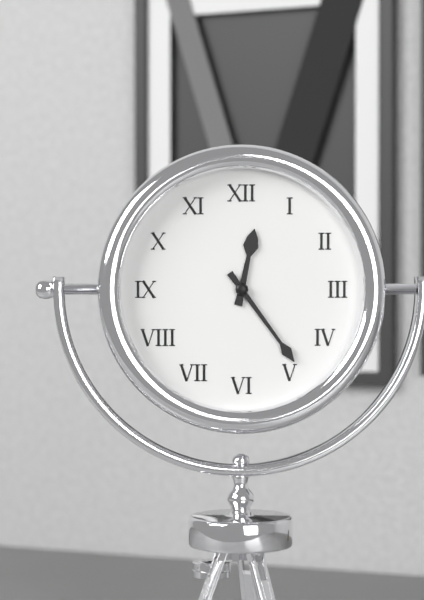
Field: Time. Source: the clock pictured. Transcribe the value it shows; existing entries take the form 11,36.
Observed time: 12,24
